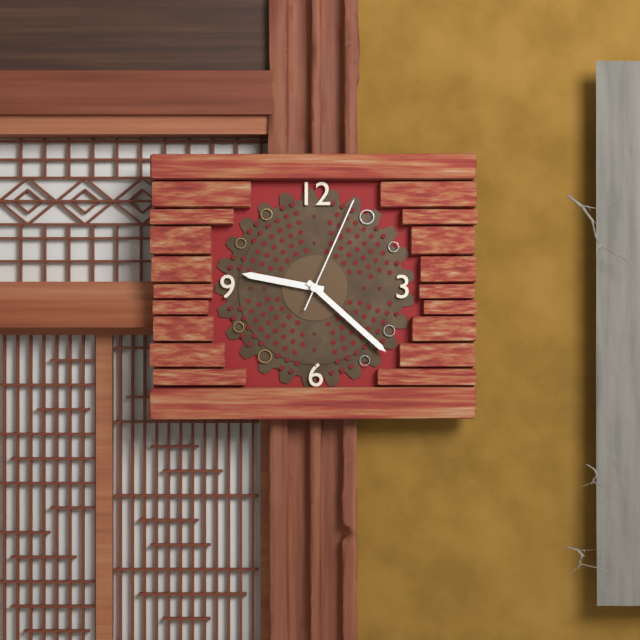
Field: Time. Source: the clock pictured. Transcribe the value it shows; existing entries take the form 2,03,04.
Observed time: 9,22,04
